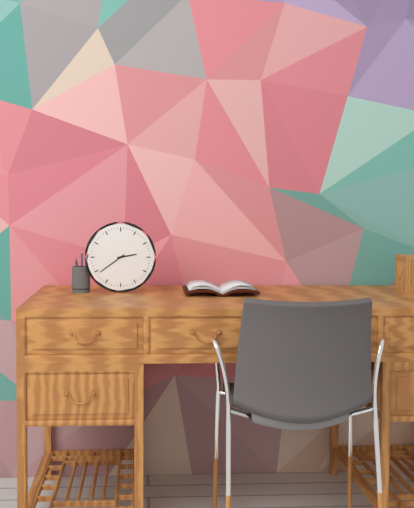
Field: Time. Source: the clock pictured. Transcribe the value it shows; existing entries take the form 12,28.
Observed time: 2,39
